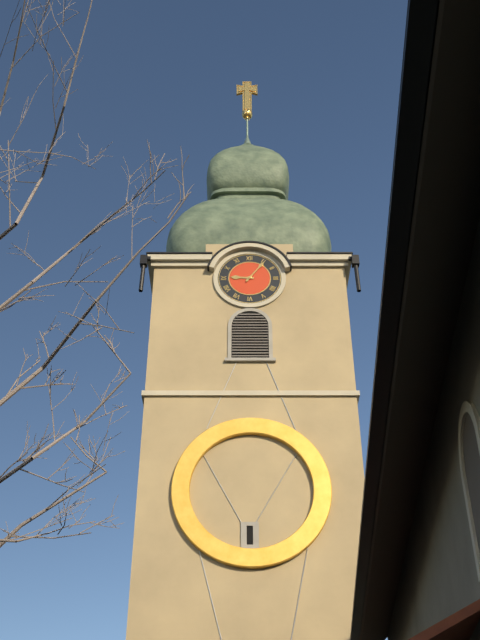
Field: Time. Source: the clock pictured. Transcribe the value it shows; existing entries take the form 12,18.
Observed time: 9,06
